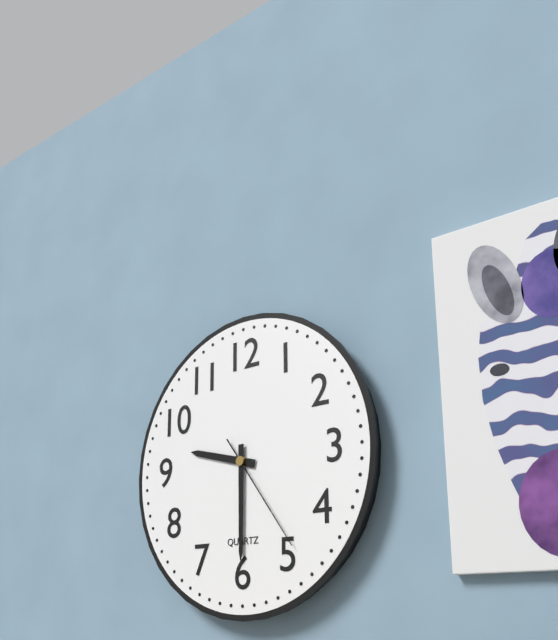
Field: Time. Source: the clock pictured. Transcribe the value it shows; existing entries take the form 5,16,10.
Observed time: 9,30,24
